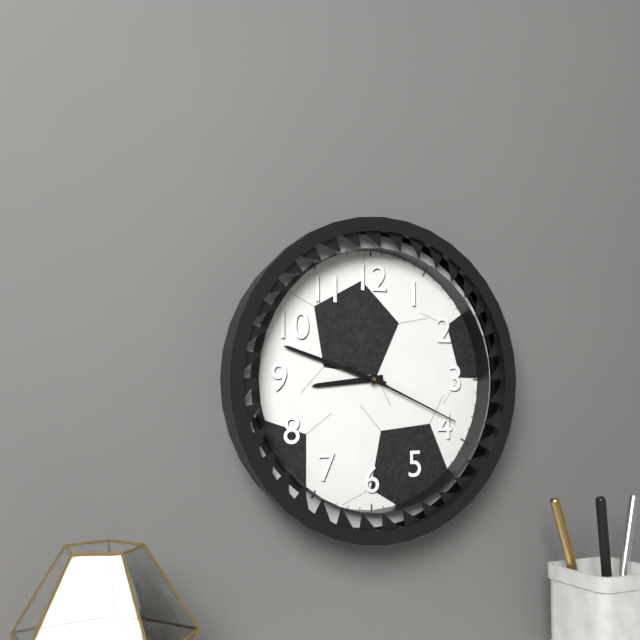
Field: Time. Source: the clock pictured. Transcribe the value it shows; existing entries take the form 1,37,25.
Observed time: 8,48,19
